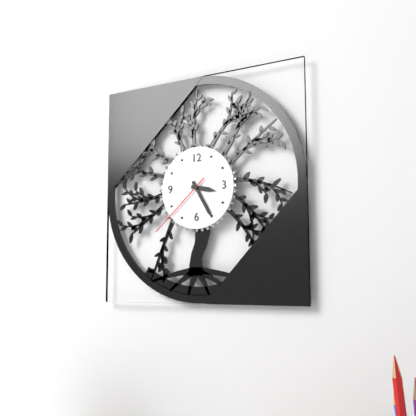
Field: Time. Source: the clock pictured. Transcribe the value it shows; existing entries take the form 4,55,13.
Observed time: 3,25,38
